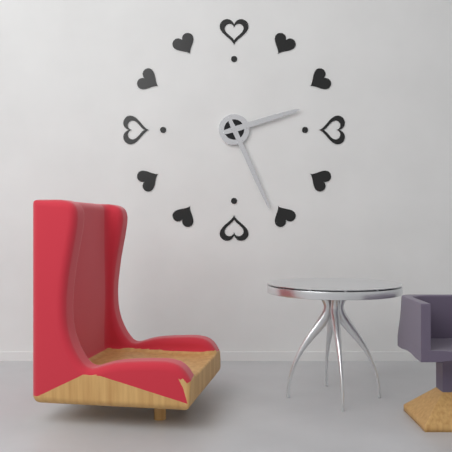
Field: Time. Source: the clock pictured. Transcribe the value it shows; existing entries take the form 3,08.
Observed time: 2,26
